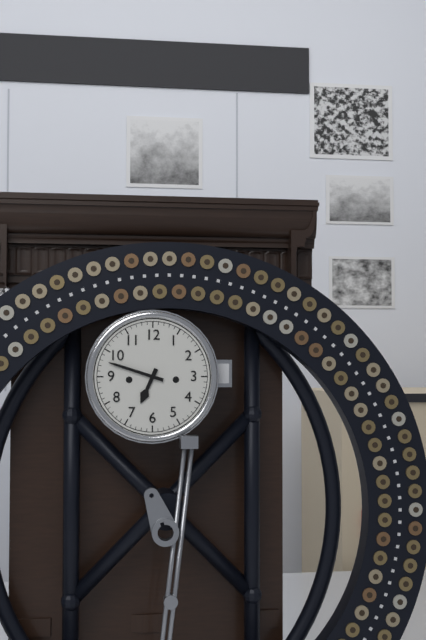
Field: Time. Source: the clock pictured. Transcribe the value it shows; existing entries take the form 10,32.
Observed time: 6,48
